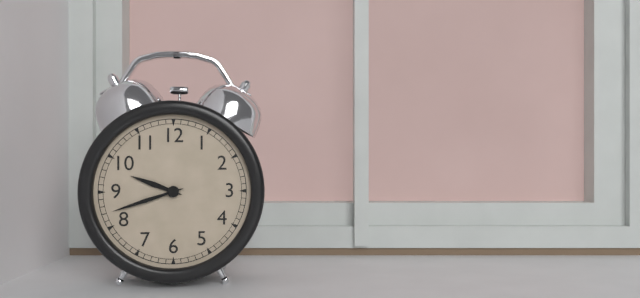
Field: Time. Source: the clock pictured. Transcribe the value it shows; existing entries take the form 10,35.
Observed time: 9,42
